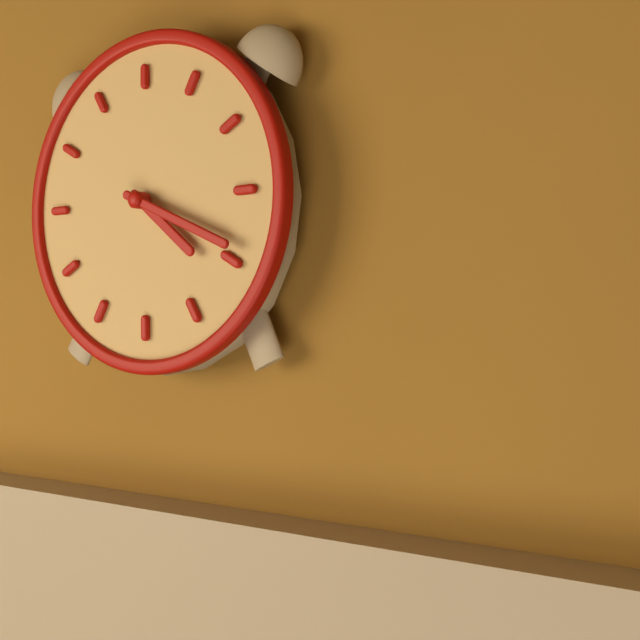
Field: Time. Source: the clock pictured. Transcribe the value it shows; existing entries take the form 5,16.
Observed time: 4,19
